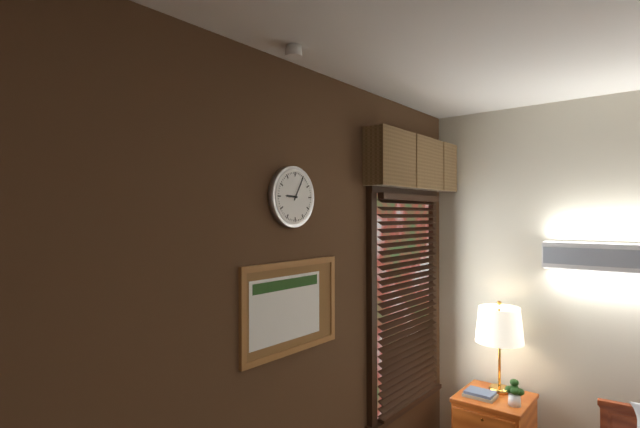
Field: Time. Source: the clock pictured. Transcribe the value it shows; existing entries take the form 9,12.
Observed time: 9,05
